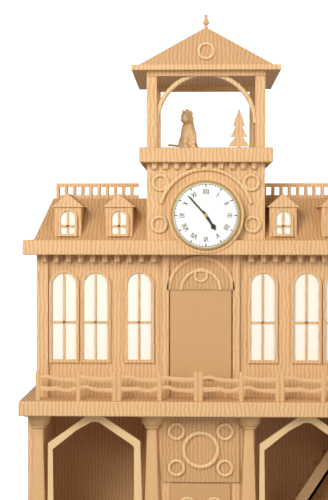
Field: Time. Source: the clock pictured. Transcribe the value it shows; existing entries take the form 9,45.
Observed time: 4,53
